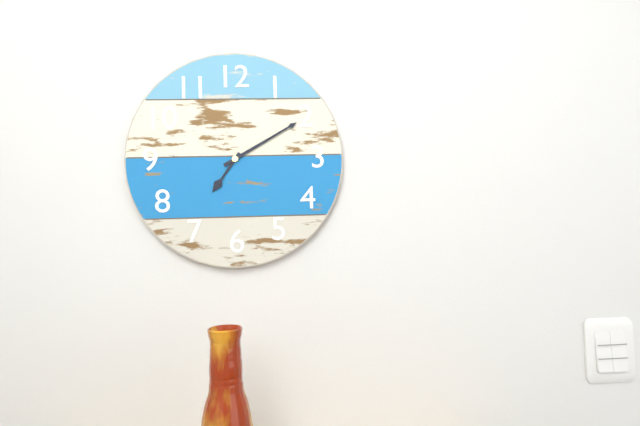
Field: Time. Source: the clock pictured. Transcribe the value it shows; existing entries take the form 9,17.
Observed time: 7,10
